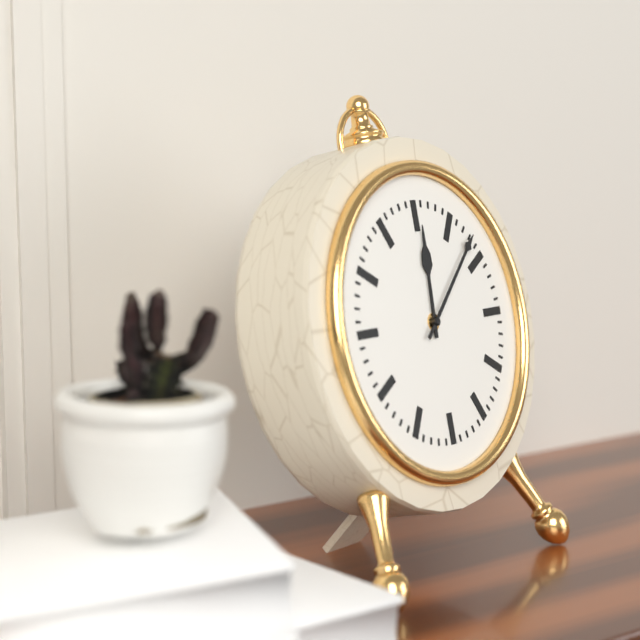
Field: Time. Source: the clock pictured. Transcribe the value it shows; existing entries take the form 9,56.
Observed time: 12,08
